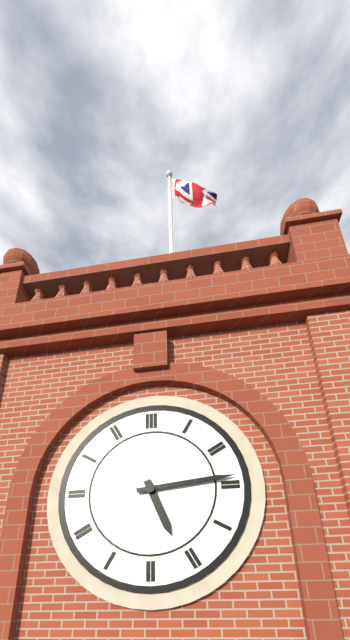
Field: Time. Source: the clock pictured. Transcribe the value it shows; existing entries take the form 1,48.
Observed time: 5,14
